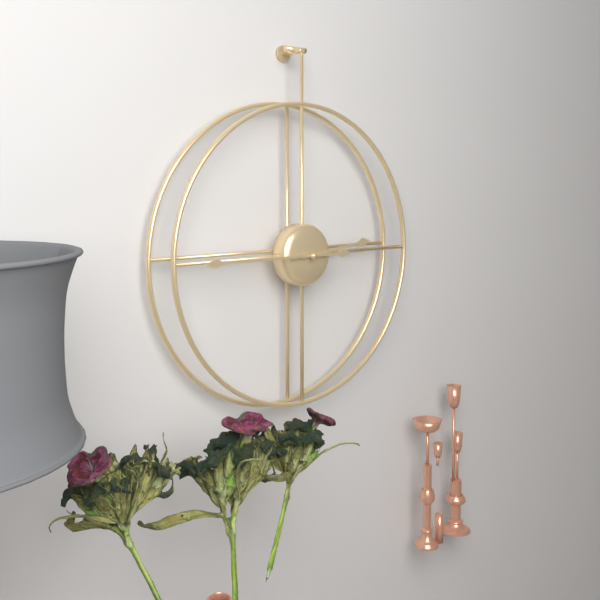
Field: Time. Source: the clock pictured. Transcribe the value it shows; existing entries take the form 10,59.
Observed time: 2,45
